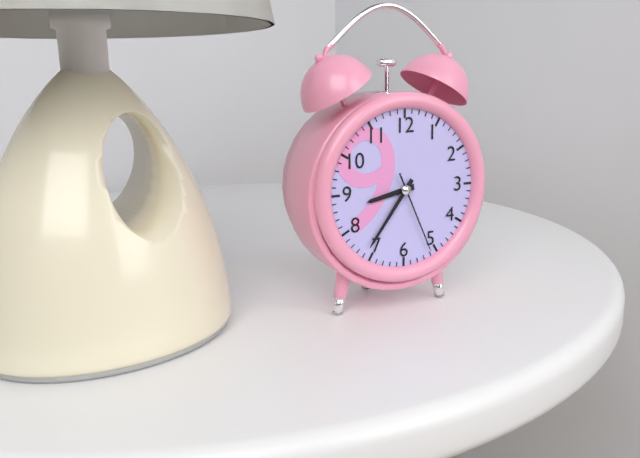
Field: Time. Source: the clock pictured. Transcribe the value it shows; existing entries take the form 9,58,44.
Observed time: 8,36,26
